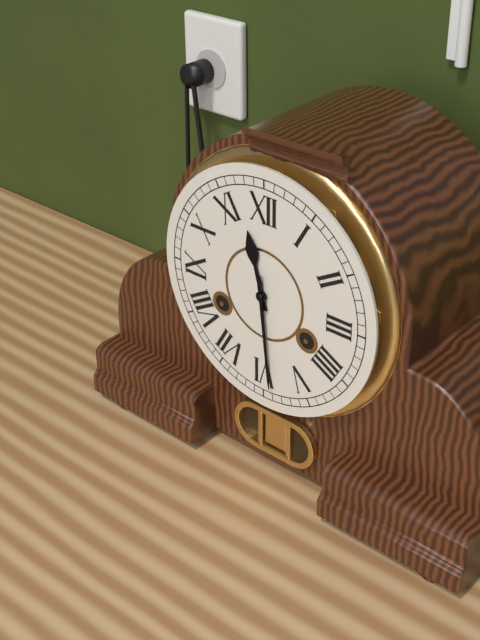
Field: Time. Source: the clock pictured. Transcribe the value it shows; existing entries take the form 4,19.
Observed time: 11,29
